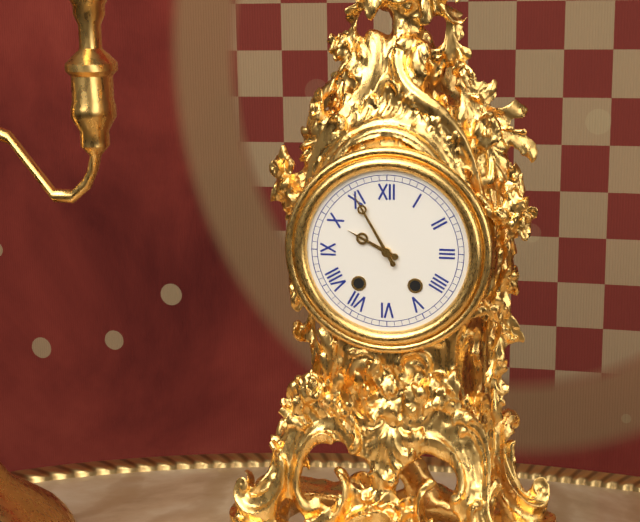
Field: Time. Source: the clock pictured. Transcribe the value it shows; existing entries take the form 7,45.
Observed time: 9,55
